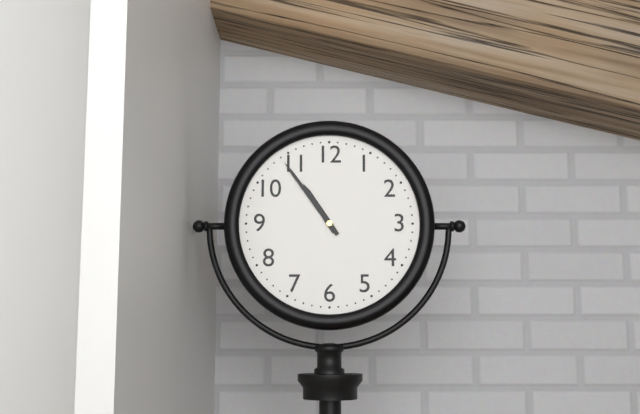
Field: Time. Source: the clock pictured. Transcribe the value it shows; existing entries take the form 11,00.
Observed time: 10,54
